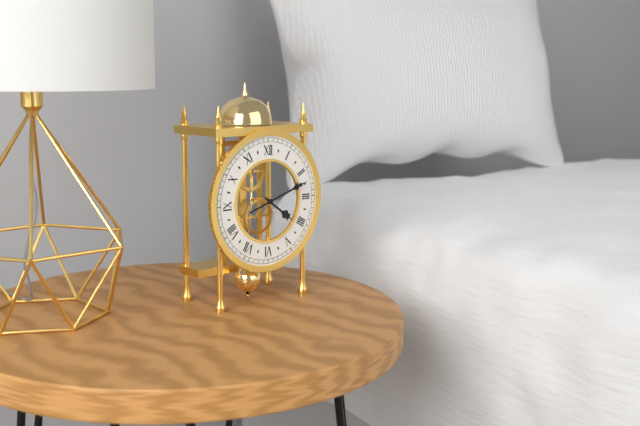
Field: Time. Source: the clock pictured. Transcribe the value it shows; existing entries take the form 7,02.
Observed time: 4,12
